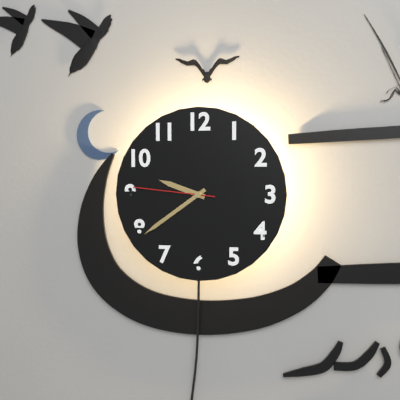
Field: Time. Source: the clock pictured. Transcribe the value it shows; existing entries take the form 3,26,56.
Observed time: 9,39,46
